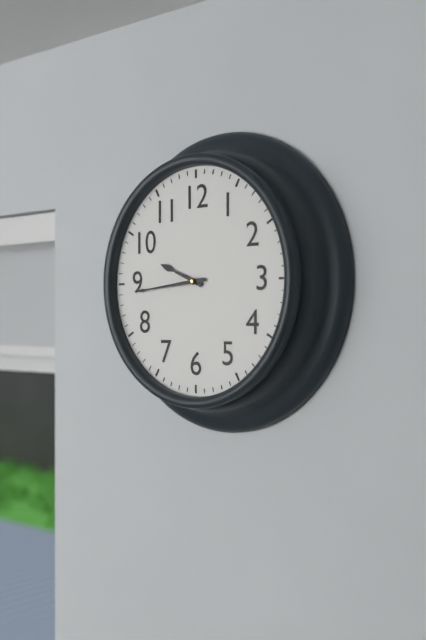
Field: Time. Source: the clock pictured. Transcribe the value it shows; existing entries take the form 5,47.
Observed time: 9,44
